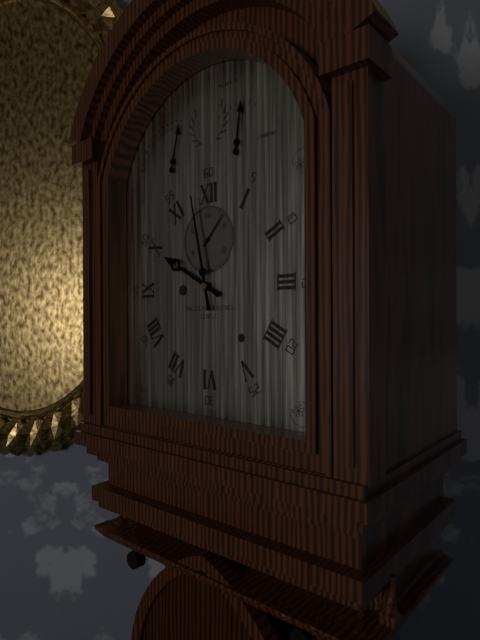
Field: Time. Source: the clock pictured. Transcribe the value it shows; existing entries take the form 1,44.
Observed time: 9,58
